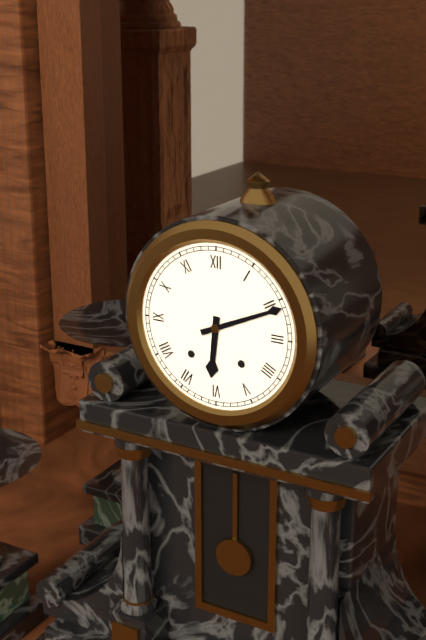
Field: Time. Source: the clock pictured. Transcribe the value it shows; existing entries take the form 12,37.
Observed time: 6,11
